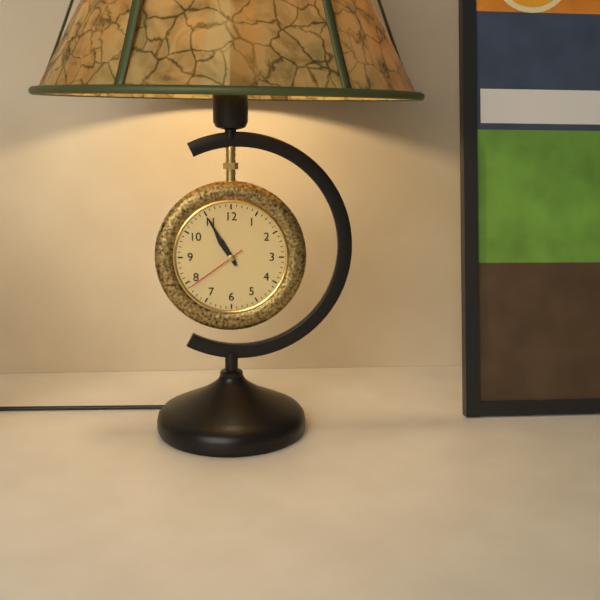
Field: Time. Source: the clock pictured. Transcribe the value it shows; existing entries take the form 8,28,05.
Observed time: 10,55,39
